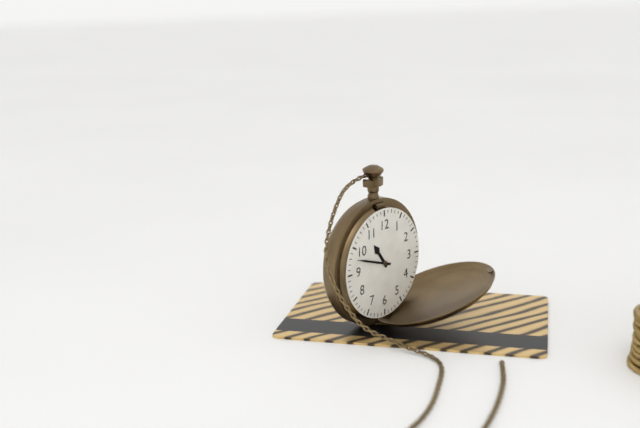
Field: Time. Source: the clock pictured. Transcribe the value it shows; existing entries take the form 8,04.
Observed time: 10,48
